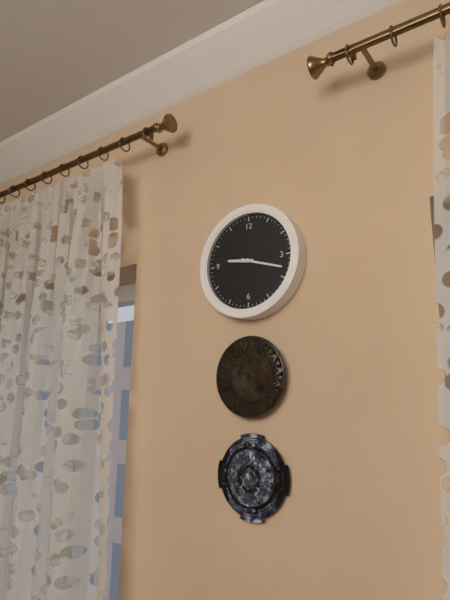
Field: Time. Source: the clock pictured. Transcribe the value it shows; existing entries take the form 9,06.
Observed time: 9,18
